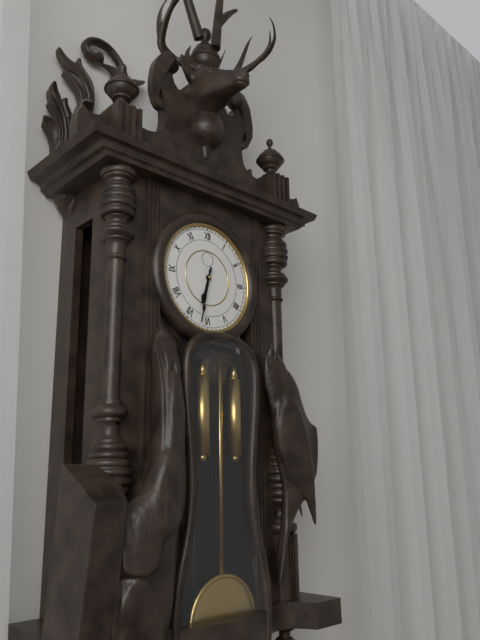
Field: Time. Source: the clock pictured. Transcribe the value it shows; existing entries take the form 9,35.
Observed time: 6,32
